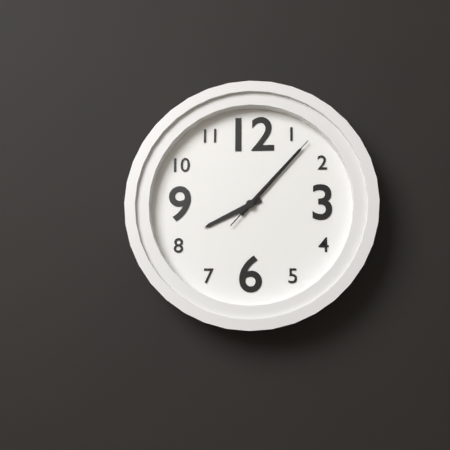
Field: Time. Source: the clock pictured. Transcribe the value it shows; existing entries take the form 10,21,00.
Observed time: 8,07,07
